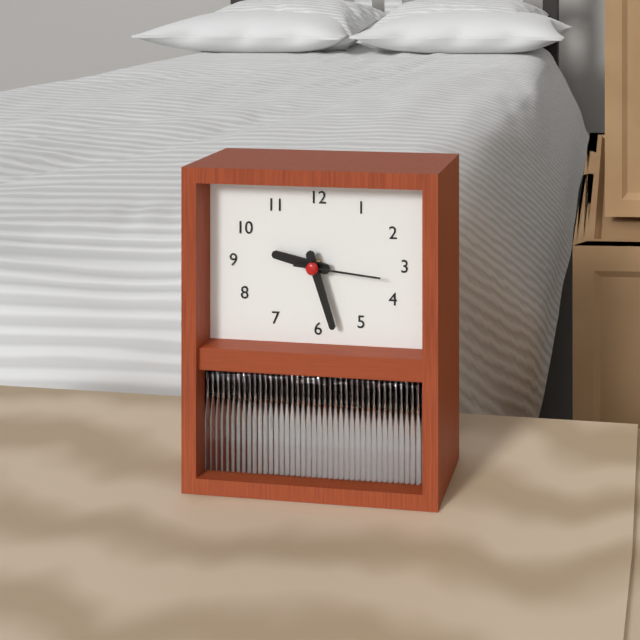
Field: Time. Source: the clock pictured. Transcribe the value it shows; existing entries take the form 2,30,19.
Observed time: 9,27,16
